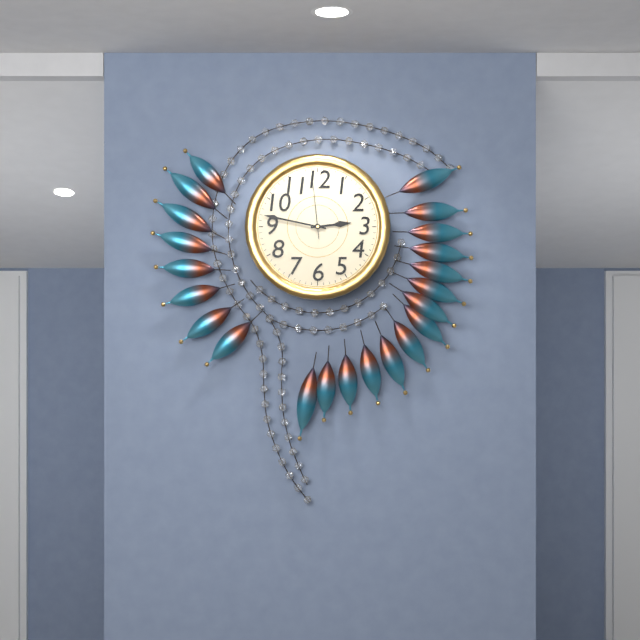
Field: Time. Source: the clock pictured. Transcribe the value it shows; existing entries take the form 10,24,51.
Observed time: 2,47,59
